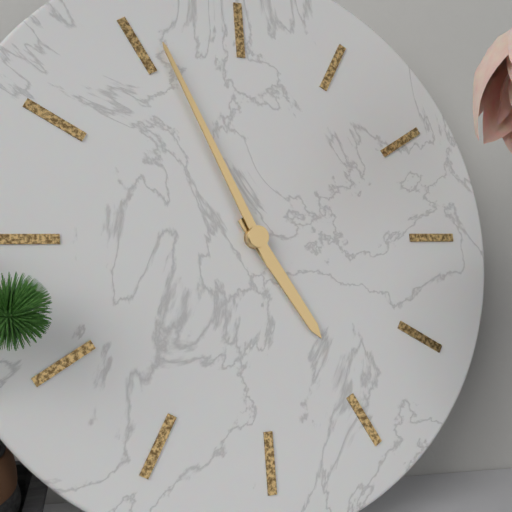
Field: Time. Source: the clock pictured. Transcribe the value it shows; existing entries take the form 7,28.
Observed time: 4,56
